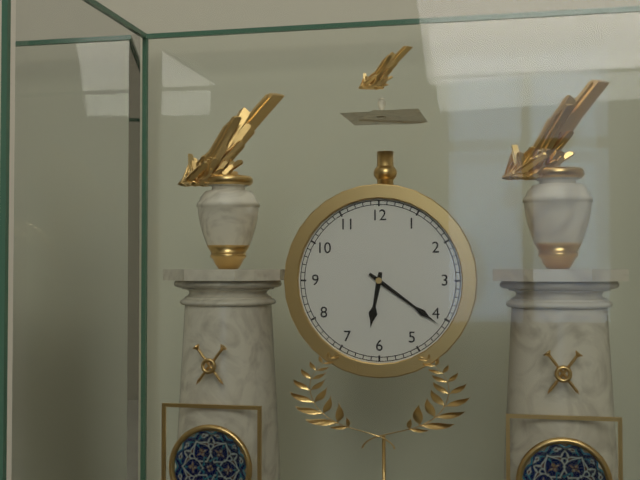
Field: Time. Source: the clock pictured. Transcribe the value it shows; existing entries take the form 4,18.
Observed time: 6,21
